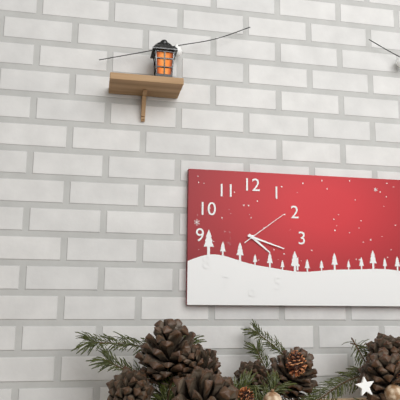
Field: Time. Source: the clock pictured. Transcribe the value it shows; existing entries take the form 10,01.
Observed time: 4,18
